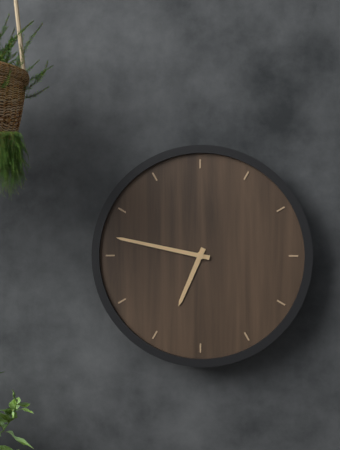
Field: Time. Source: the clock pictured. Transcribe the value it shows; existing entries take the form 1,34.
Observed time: 6,47
